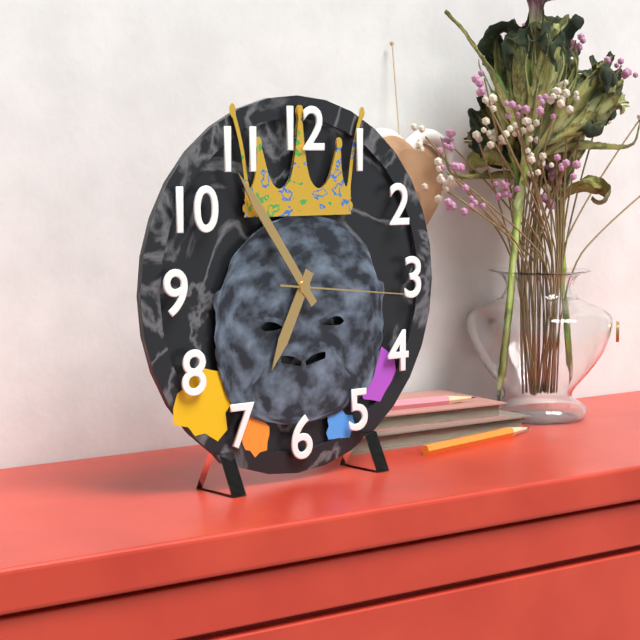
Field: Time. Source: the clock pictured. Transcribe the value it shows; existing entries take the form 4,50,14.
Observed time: 6,54,16
